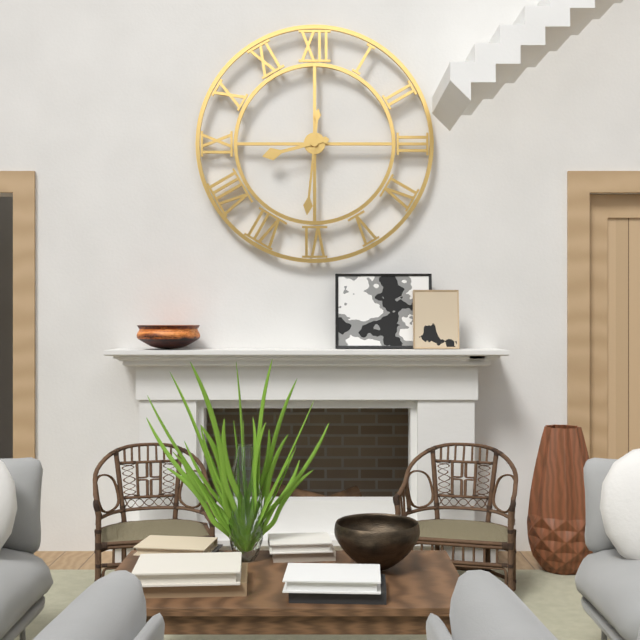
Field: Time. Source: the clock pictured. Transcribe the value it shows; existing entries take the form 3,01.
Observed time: 8,31
